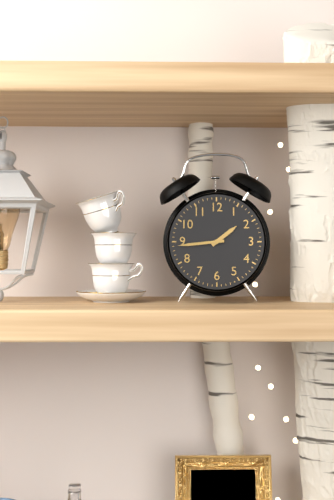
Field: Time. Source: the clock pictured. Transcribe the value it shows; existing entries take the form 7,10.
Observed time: 1,44
